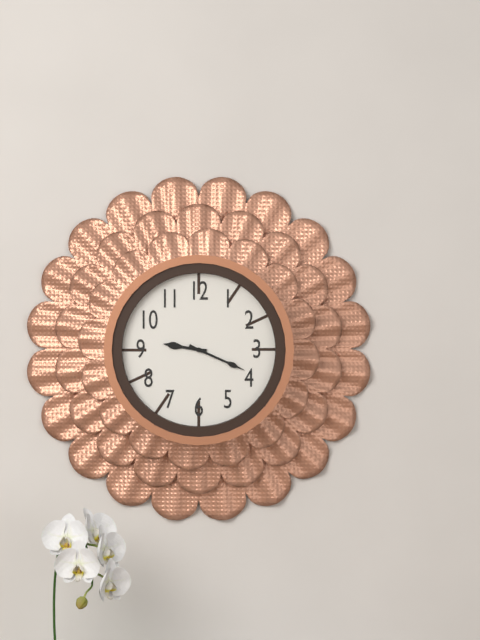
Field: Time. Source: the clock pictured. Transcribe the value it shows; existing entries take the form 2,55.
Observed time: 9,19
